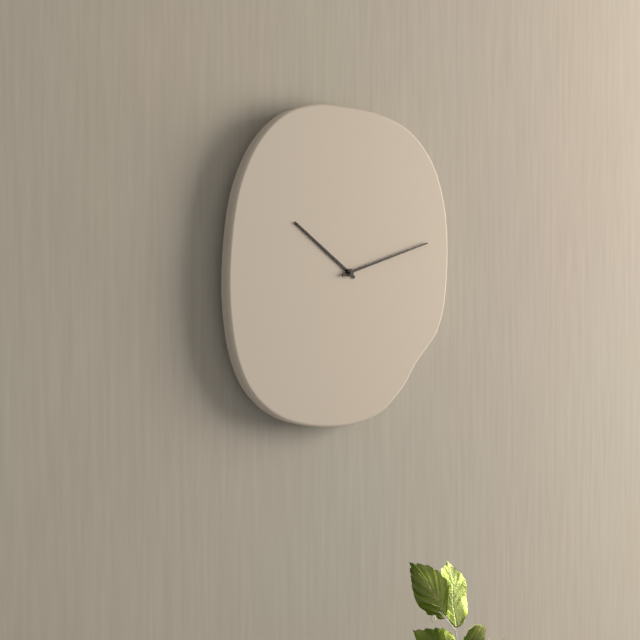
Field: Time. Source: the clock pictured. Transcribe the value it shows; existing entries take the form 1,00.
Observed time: 10,12
